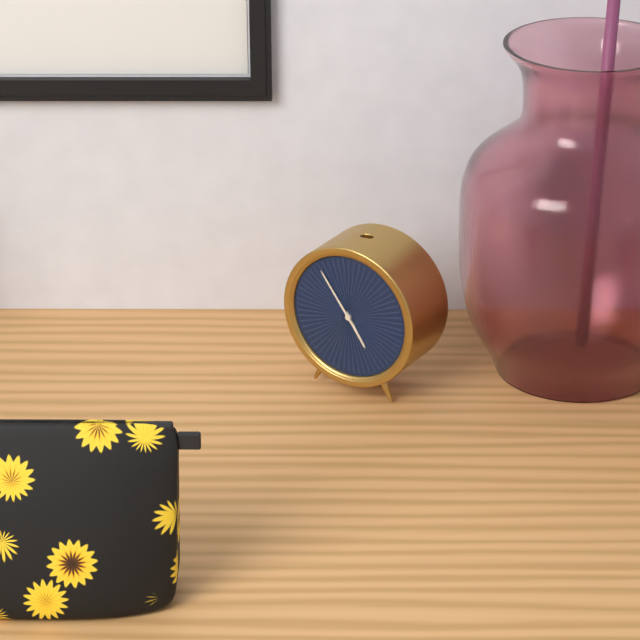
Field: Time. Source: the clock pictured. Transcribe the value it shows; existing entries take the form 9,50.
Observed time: 4,54
